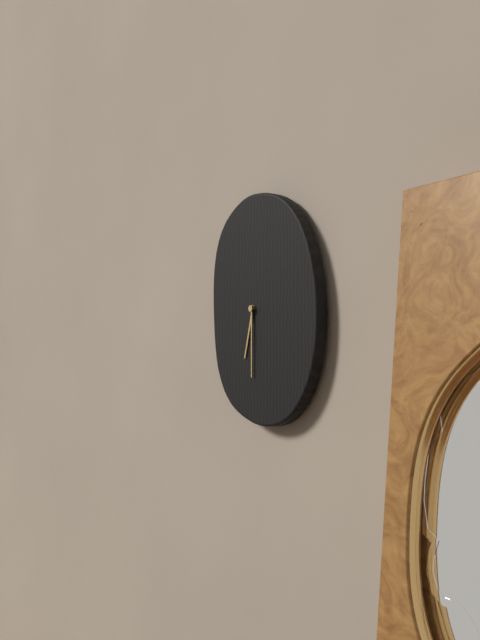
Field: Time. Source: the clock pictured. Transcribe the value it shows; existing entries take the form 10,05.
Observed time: 6,30
